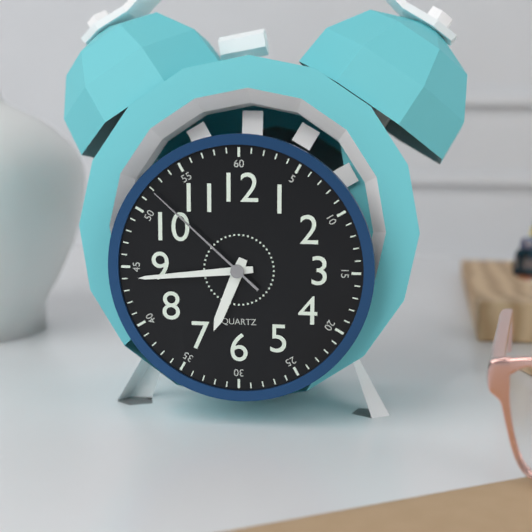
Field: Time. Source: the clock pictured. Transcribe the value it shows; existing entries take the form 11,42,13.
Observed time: 6,44,52
